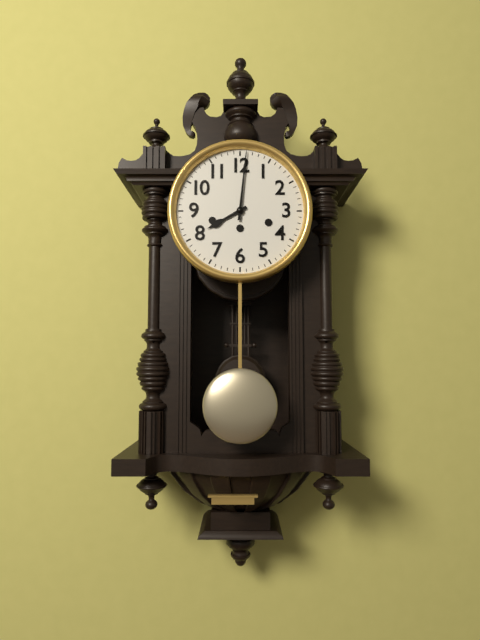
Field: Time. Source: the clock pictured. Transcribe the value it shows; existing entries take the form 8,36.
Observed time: 8,01
